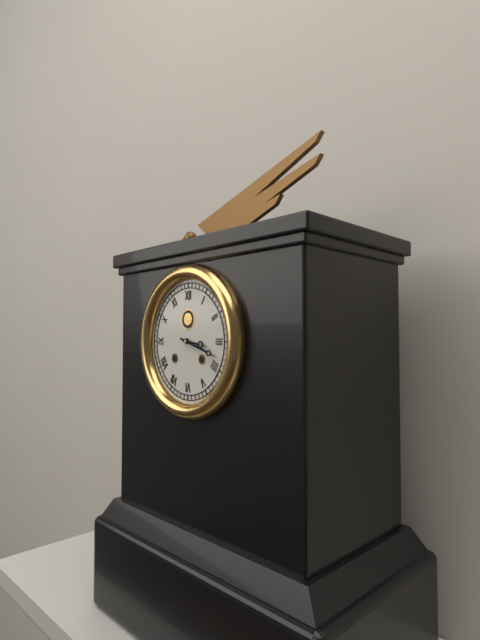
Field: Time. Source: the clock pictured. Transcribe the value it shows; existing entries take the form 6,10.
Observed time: 3,18
